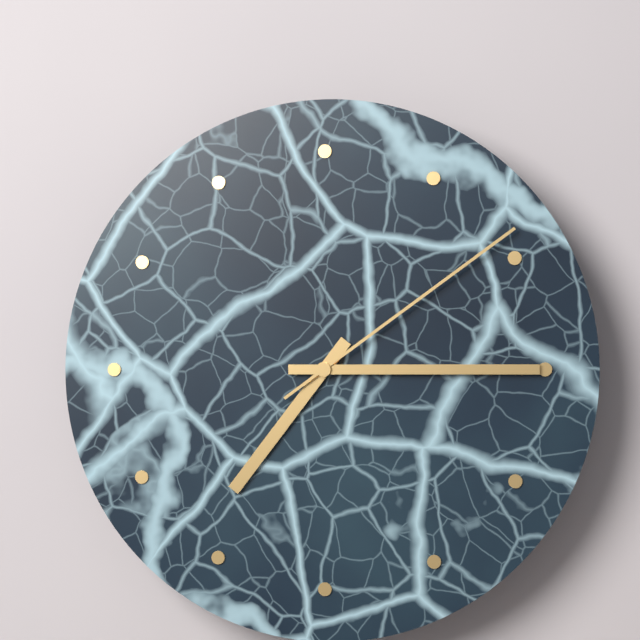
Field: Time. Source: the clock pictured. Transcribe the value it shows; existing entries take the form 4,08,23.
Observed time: 7,15,09
